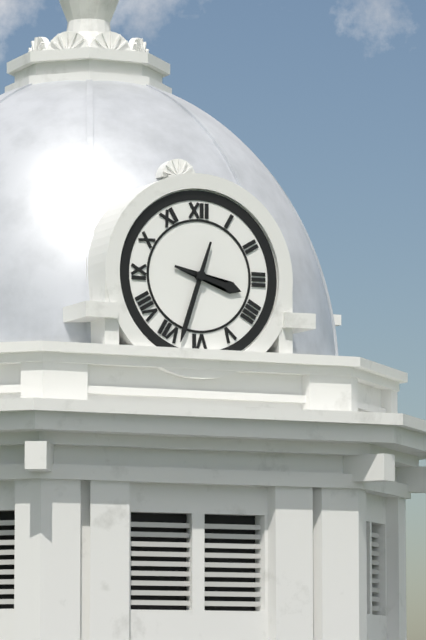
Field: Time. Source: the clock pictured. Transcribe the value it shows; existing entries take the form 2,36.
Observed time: 3,33
